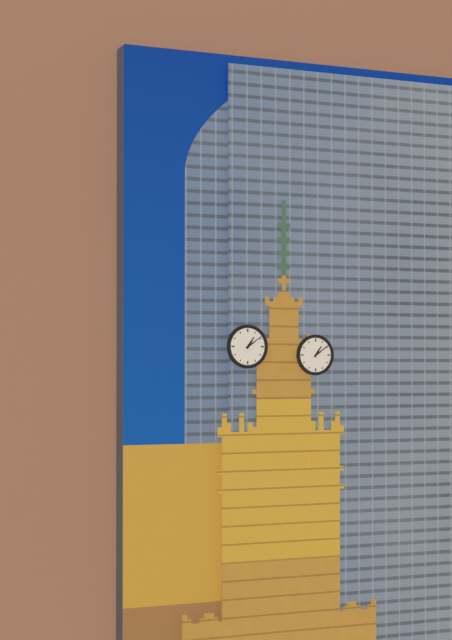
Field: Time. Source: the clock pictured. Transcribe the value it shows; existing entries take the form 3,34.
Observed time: 1,09
